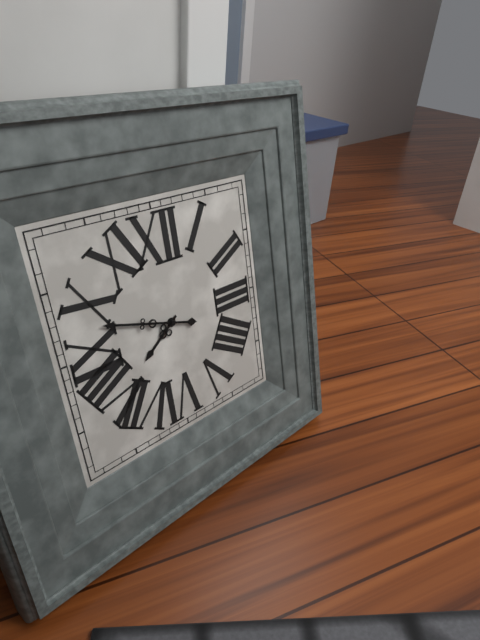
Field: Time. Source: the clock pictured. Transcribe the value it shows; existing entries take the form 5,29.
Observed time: 7,48
